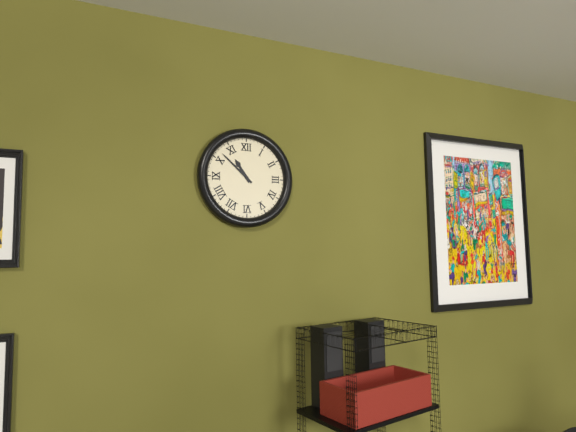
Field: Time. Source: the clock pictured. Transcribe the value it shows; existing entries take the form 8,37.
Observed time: 10,52
